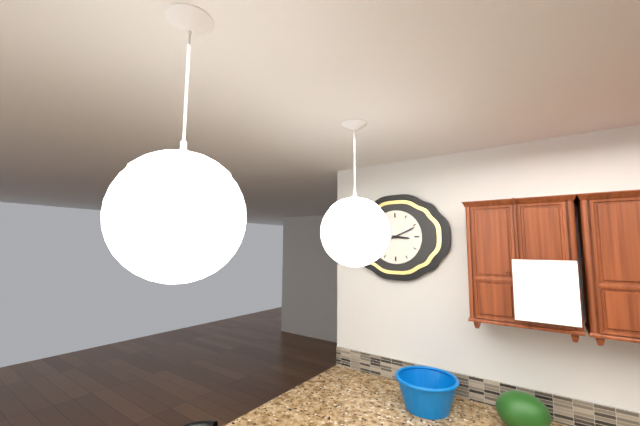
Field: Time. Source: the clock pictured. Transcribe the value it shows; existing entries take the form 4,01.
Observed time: 3,11
